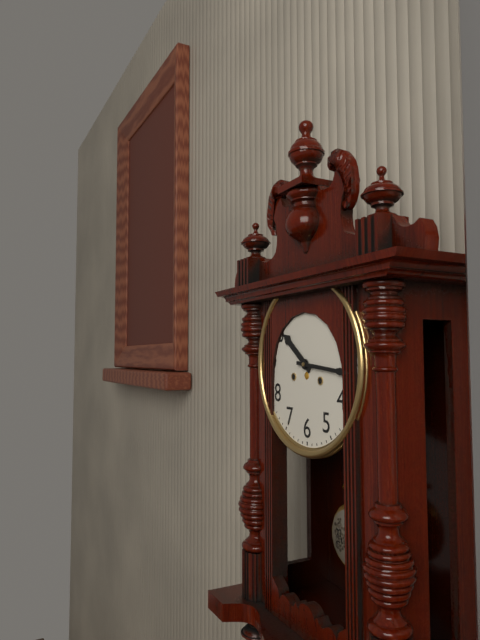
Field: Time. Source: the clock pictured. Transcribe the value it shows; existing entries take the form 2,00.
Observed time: 10,16
